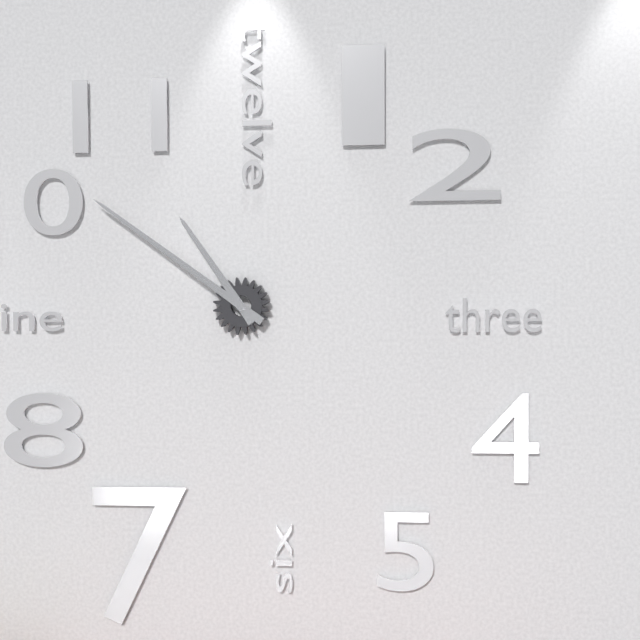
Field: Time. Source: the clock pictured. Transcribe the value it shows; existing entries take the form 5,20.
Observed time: 10,51
